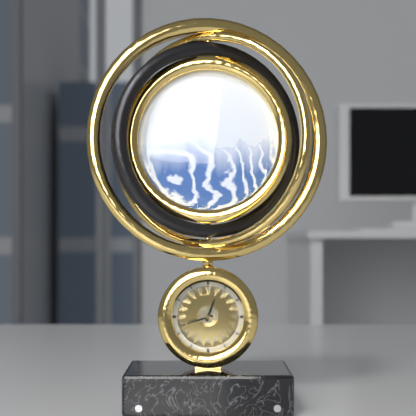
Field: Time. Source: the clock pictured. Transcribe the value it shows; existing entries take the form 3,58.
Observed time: 12,42
